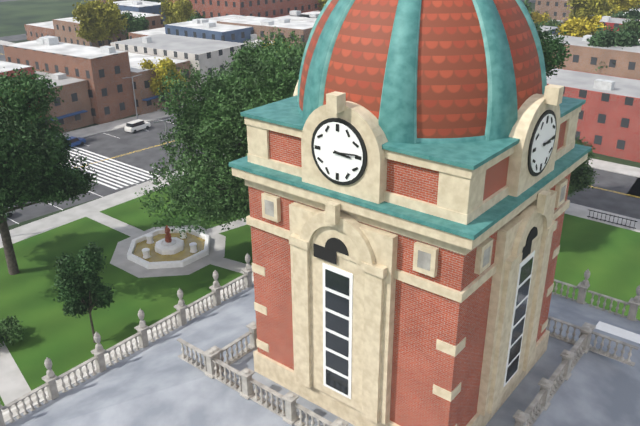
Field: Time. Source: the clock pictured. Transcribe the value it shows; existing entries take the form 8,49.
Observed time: 3,14
